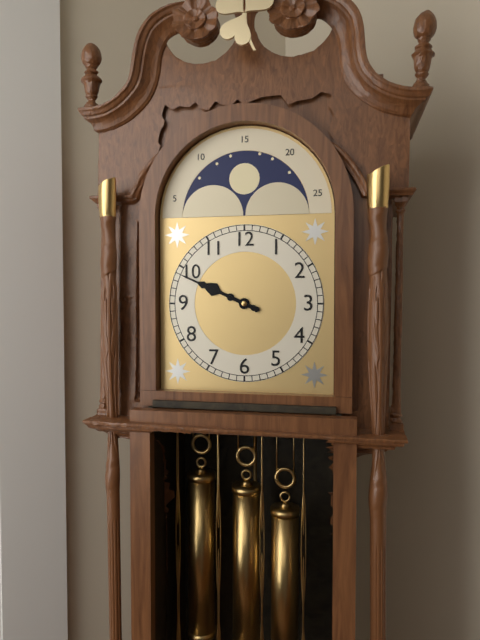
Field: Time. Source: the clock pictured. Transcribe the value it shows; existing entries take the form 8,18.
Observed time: 9,49
